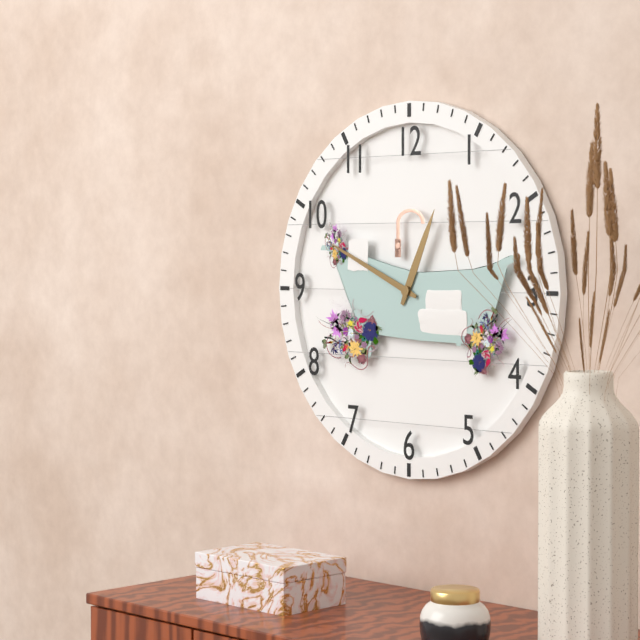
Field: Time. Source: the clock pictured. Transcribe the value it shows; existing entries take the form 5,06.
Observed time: 12,49
